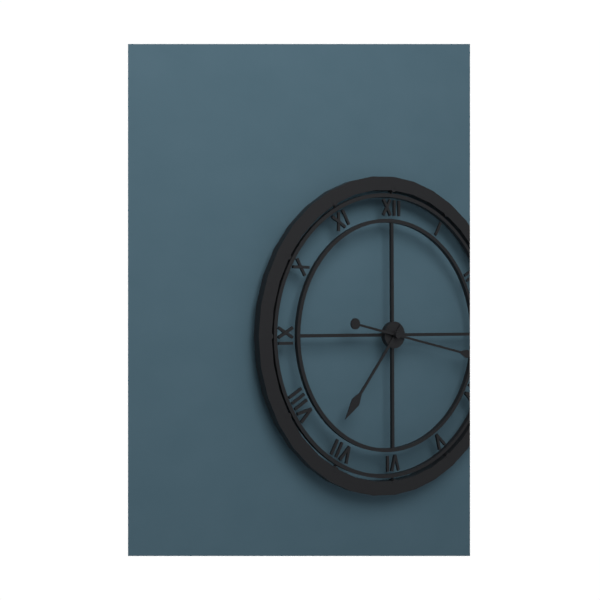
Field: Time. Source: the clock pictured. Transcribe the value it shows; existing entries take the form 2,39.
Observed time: 7,17
